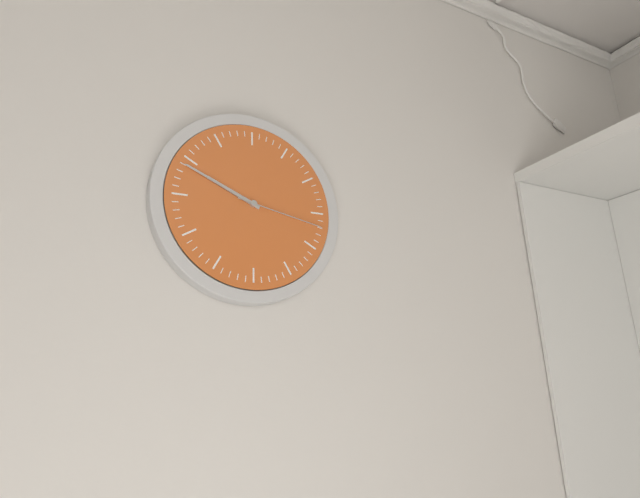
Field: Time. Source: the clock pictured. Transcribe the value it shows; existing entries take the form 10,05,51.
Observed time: 9,49,17
